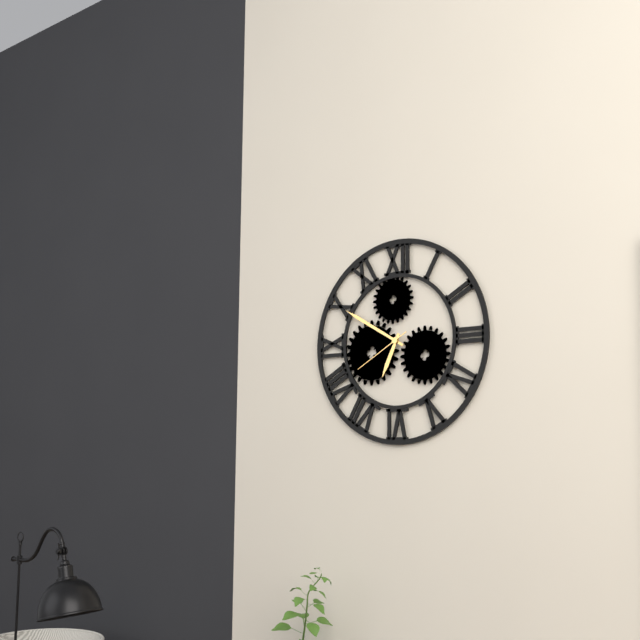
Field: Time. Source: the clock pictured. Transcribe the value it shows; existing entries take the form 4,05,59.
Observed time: 6,50,40
